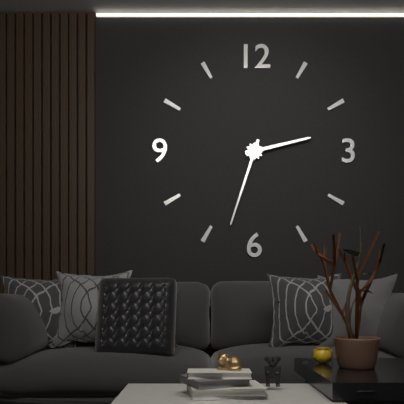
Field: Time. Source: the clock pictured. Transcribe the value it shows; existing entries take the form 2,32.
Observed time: 2,33
